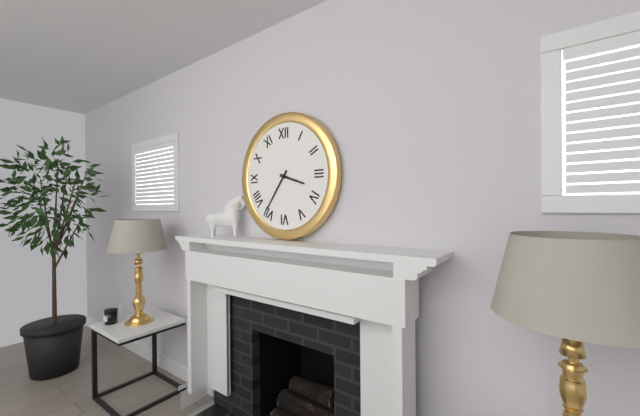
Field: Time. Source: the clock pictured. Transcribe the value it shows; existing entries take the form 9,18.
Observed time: 3,36
